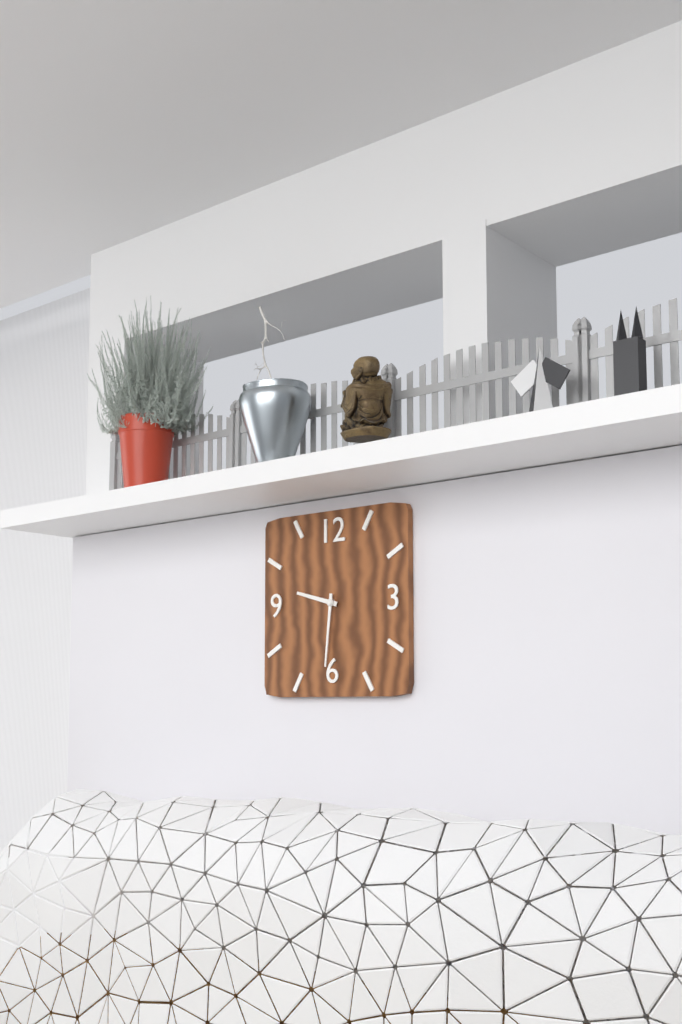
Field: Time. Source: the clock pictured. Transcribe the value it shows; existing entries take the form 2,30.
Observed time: 9,31
